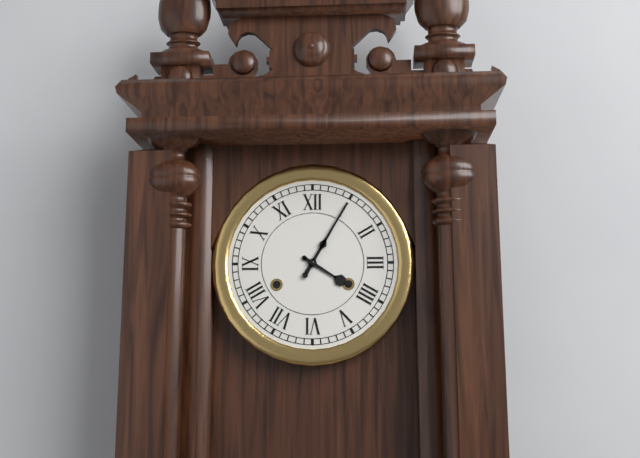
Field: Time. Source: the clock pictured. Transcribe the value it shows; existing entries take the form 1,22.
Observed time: 4,05
